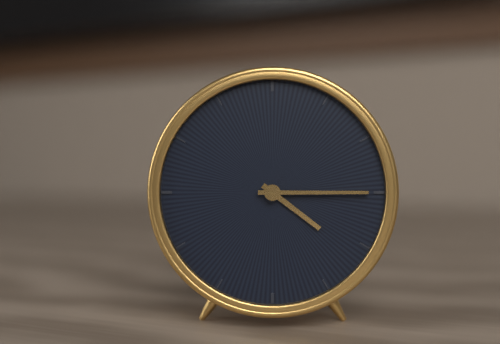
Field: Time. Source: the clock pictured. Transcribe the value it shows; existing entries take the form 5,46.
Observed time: 4,15
